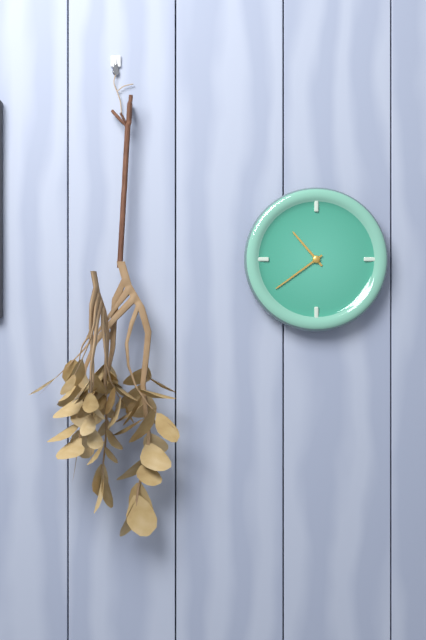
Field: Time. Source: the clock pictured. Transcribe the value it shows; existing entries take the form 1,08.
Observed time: 10,39
